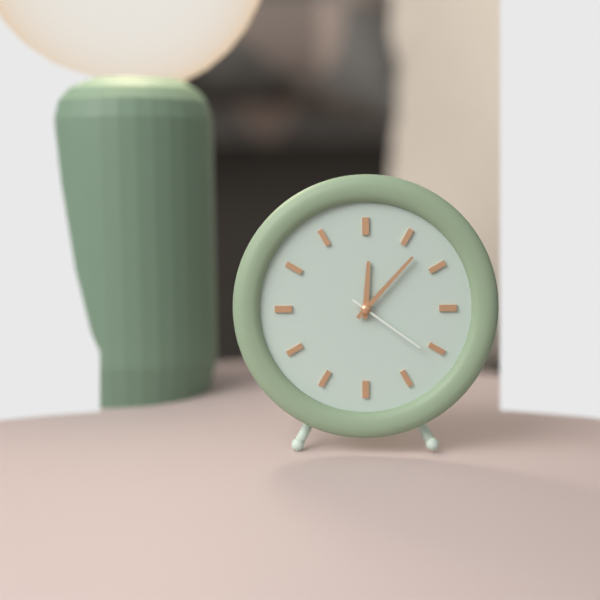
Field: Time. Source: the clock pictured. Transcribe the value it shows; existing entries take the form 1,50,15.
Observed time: 12,07,21
